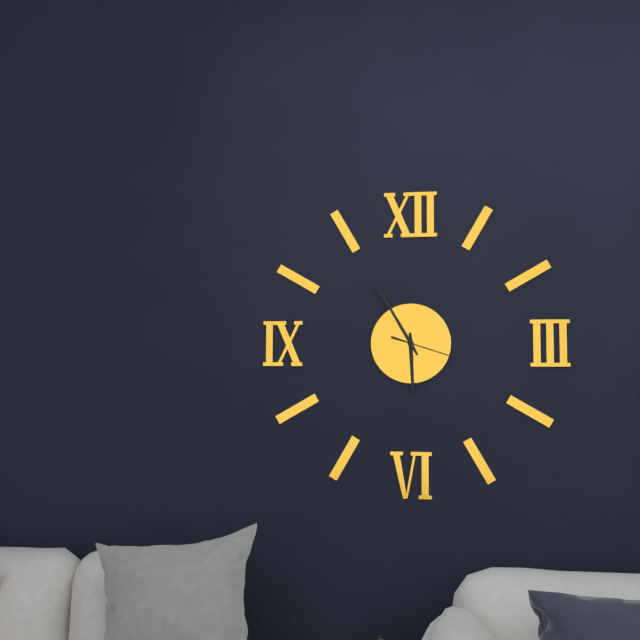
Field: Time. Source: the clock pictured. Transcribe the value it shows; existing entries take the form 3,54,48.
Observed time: 5,55,18
